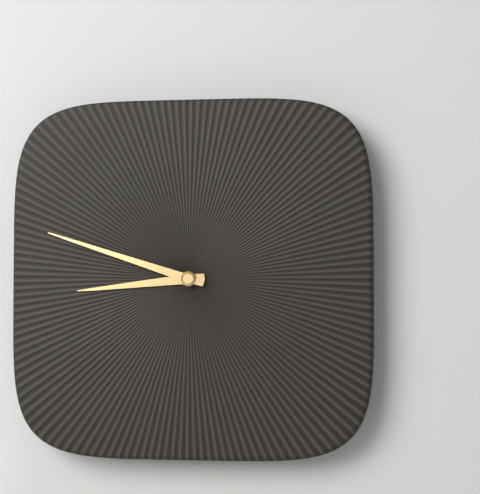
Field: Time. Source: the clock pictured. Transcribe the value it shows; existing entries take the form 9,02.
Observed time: 8,48
